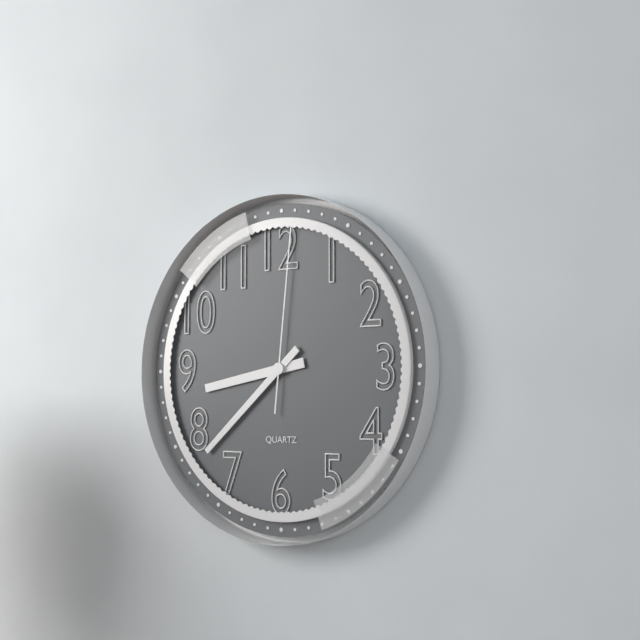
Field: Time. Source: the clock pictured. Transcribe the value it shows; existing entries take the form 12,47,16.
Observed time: 8,38,01
